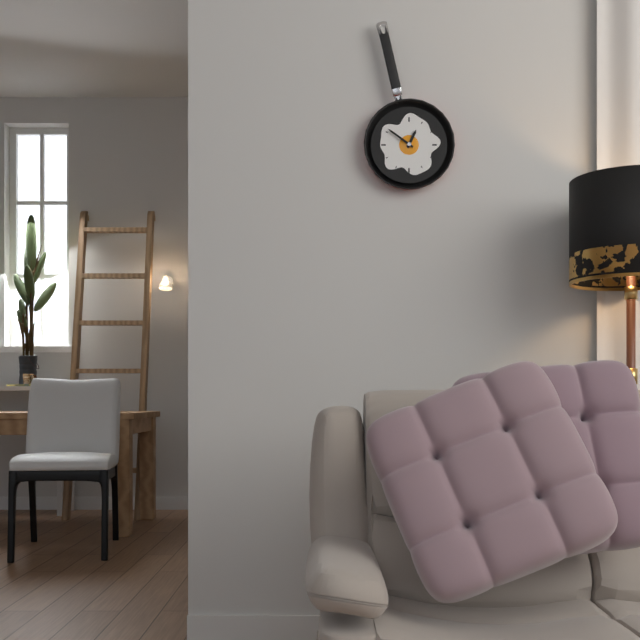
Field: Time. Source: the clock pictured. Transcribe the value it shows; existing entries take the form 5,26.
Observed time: 12,51
